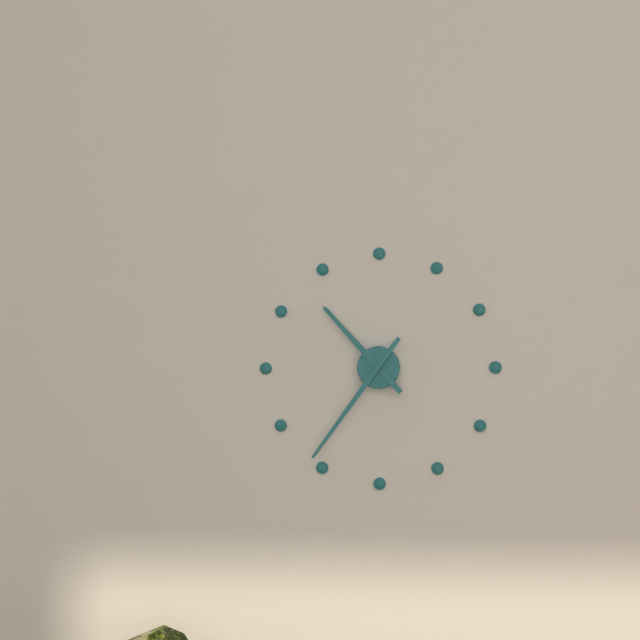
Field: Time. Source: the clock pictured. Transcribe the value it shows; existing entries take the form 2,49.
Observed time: 10,36
